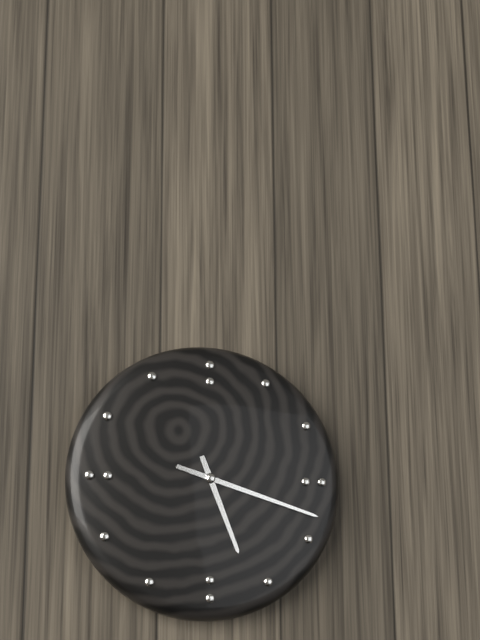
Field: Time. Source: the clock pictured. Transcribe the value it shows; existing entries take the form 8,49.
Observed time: 5,18
